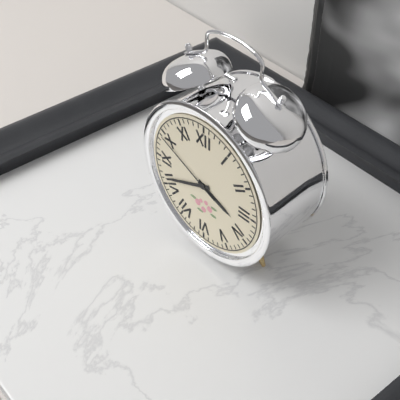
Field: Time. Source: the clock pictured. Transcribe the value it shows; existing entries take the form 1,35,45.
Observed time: 3,41,49
